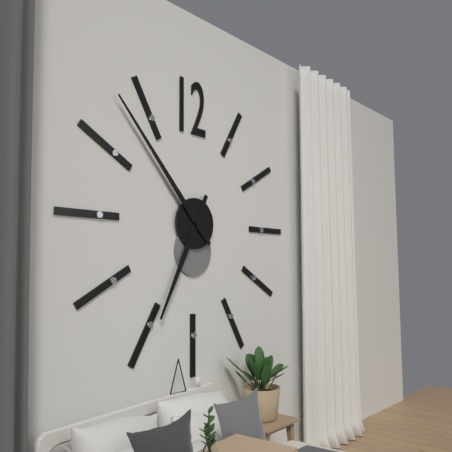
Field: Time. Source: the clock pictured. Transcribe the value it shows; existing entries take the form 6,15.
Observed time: 6,53
